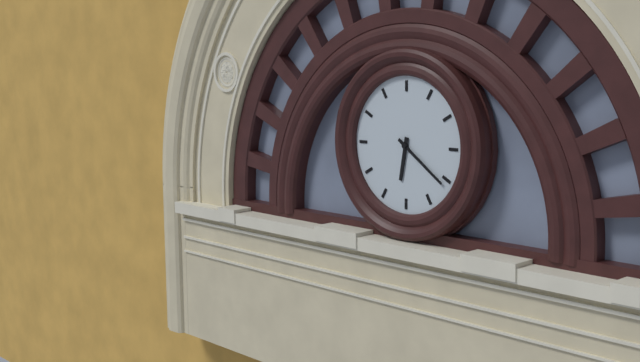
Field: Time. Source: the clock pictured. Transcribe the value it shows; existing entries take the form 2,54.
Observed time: 6,21
